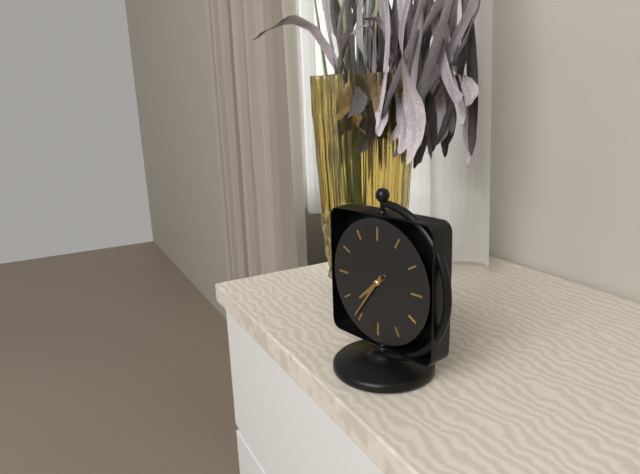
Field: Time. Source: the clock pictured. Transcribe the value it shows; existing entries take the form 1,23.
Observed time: 7,36
